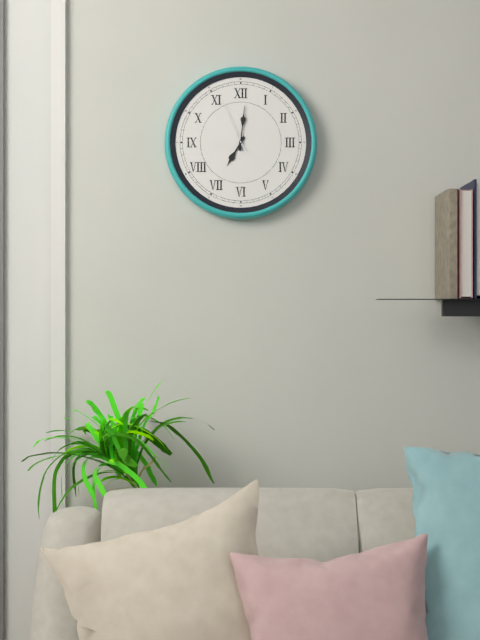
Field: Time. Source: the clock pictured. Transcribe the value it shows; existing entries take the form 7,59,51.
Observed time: 7,01,56
